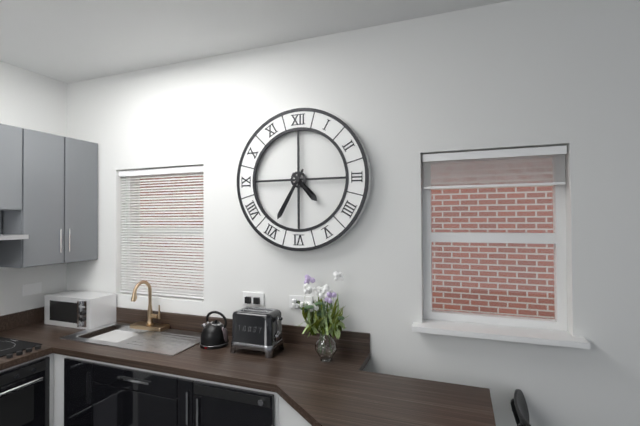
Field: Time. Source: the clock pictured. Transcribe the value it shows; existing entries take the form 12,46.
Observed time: 4,35
